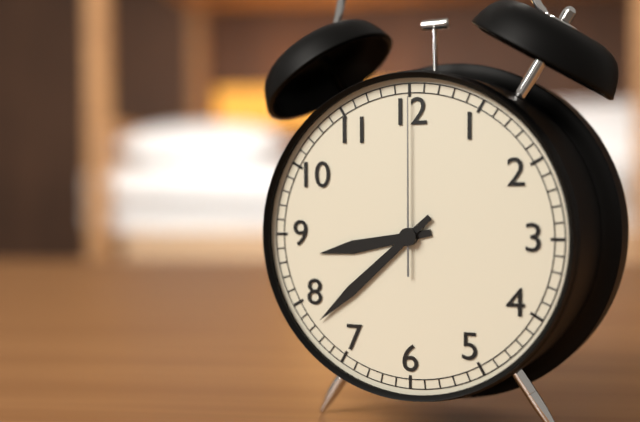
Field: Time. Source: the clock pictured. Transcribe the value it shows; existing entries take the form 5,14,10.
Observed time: 8,38,00
